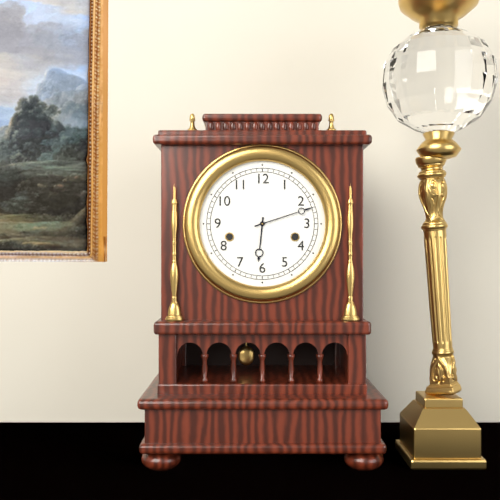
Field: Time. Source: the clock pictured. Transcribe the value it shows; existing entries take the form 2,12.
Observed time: 6,12
